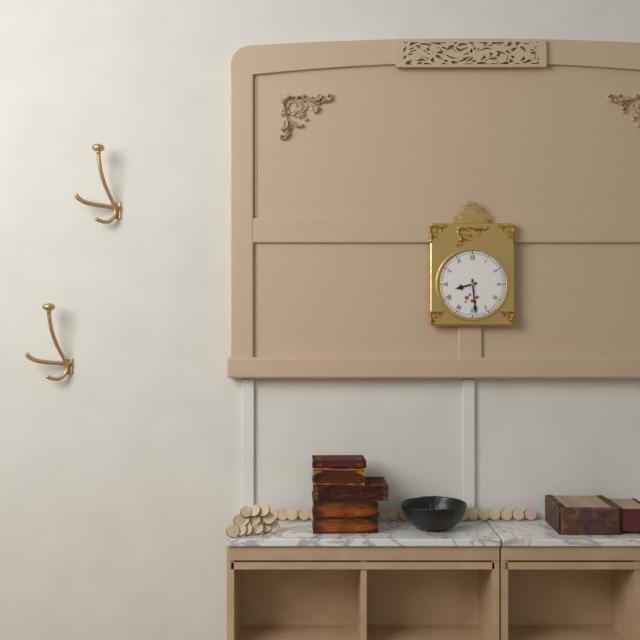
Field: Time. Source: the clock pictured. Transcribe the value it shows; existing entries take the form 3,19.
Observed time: 8,29
